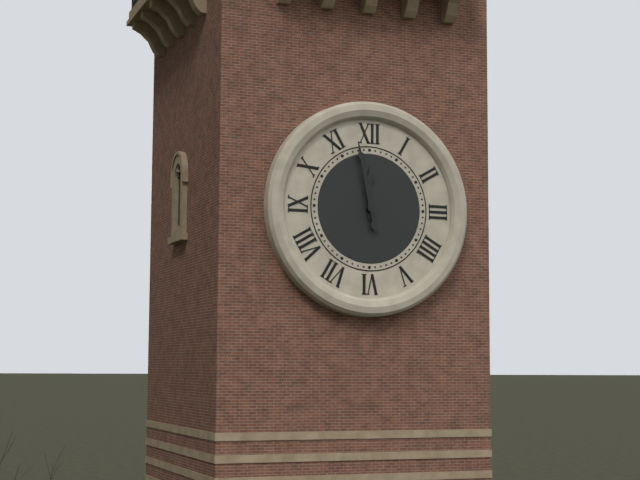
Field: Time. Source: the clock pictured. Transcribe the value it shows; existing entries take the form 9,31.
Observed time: 11,58
